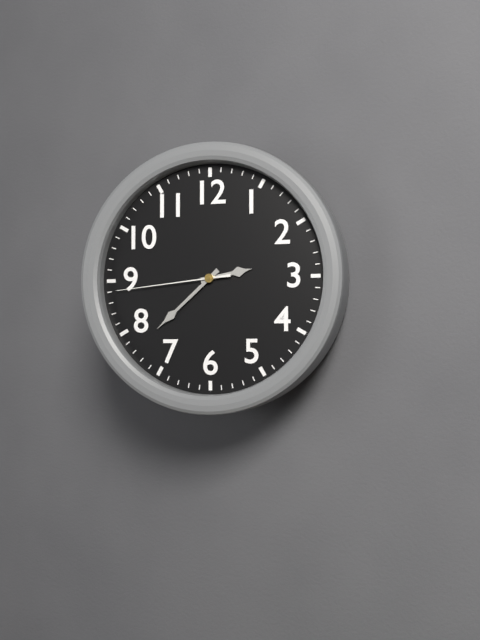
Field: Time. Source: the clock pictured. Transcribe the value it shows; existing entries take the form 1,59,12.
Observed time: 2,38,44
